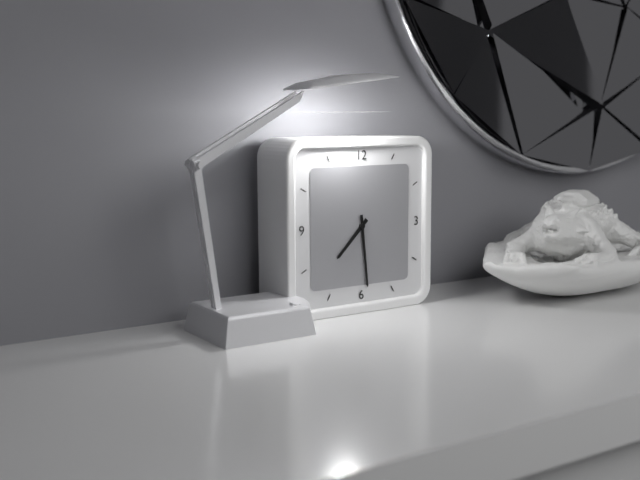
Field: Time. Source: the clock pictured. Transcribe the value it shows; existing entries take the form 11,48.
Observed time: 7,29
